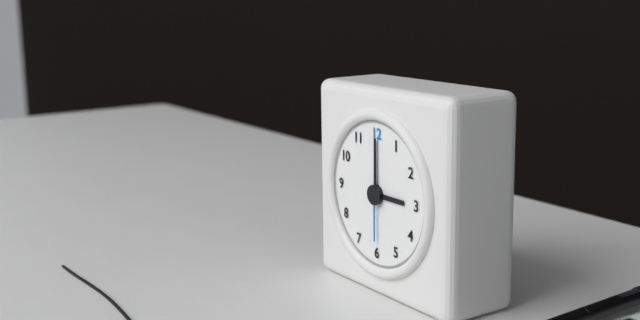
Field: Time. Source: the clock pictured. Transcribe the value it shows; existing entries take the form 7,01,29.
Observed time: 3,00,30
